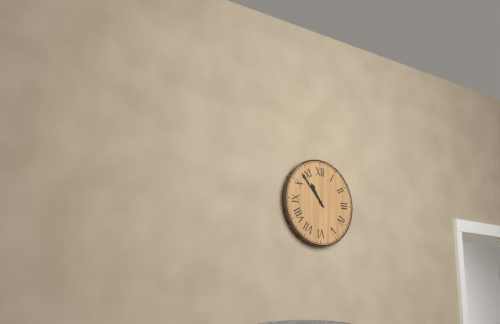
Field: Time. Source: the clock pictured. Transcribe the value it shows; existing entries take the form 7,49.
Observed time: 10,53
